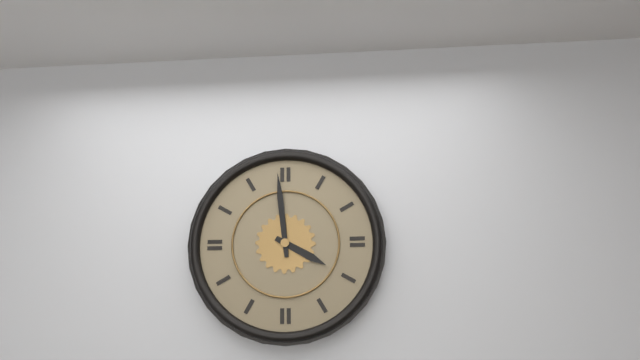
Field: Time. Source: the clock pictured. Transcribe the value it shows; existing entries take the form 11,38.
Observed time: 3,59
